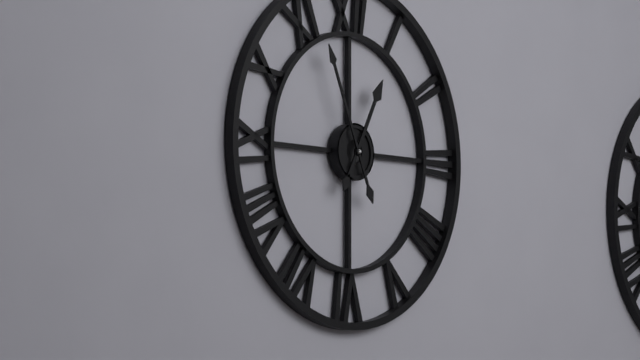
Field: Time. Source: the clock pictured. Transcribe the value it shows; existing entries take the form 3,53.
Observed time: 12,56
